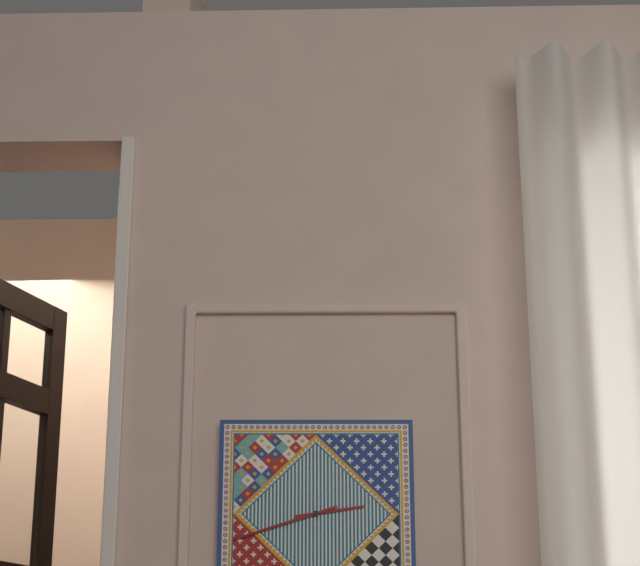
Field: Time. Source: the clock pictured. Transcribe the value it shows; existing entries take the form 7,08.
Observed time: 2,42
